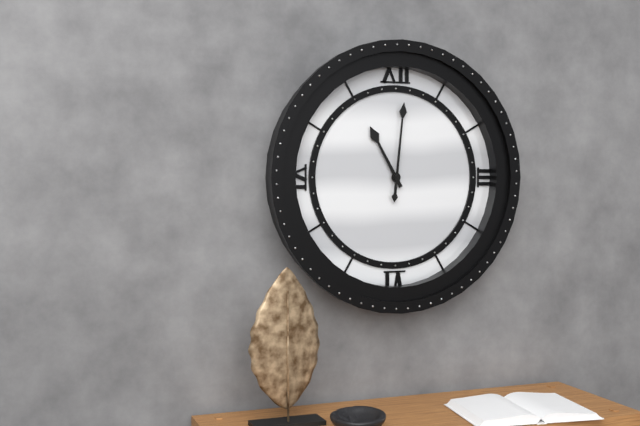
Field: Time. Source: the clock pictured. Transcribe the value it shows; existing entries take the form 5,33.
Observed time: 11,01
